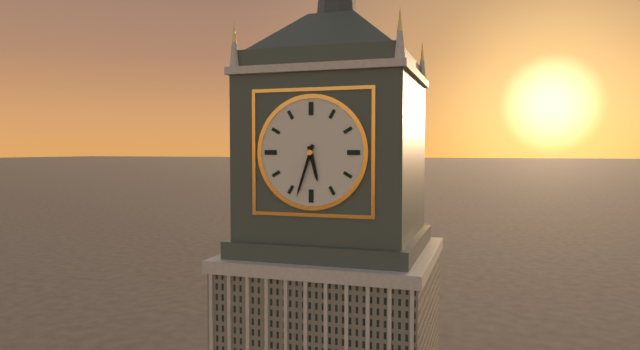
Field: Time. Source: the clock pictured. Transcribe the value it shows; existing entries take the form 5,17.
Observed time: 5,33
